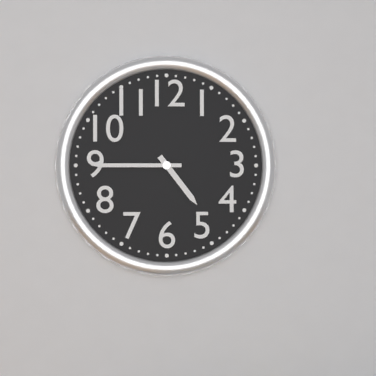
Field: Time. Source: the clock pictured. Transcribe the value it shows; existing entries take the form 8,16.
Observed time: 4,45
